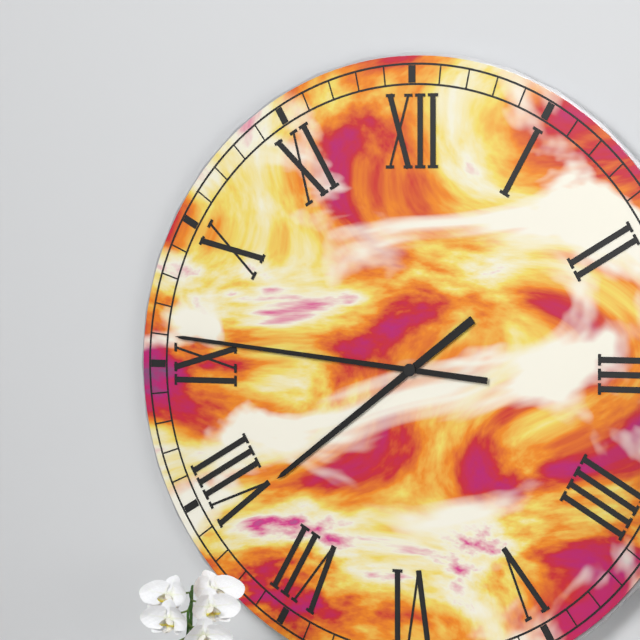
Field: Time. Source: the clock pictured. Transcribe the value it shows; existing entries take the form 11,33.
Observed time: 7,46
